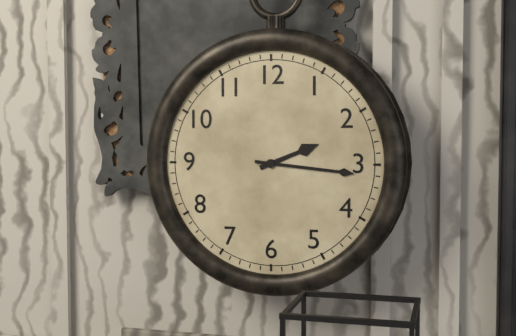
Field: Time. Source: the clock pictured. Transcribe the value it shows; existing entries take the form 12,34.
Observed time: 2,16
